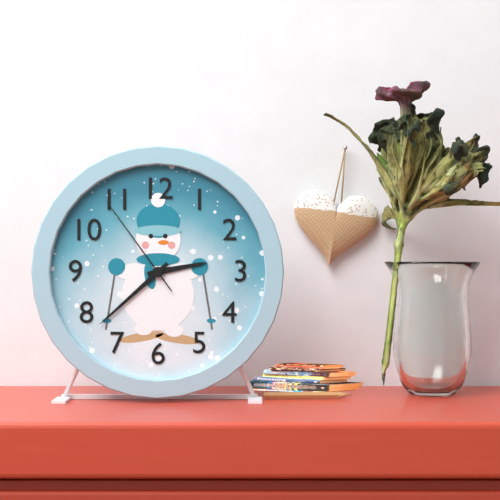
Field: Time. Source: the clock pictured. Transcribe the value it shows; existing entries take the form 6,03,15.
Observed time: 2,38,54
